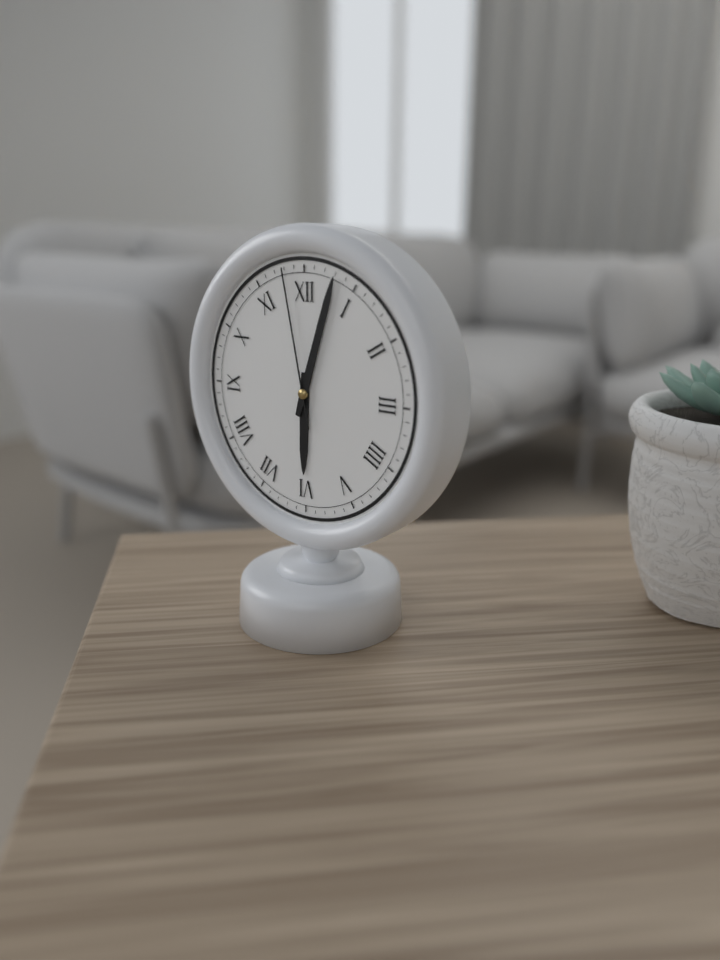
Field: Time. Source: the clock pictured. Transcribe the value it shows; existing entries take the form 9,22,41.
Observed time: 6,03,58
